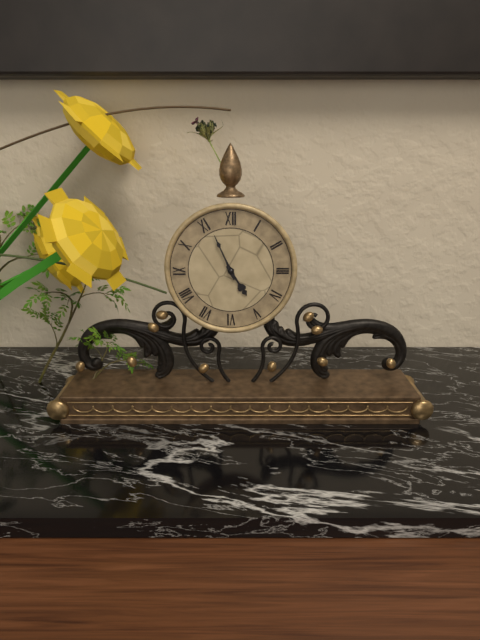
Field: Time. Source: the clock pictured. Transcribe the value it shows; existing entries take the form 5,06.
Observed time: 4,56
